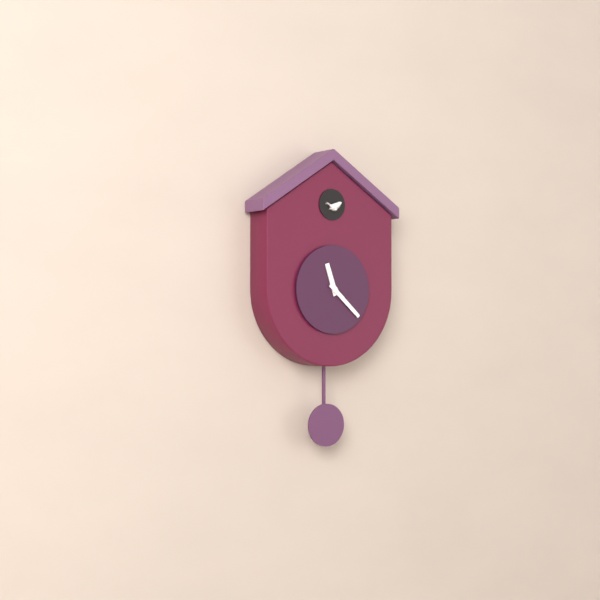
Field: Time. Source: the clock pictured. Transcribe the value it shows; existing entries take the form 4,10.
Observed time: 11,22
